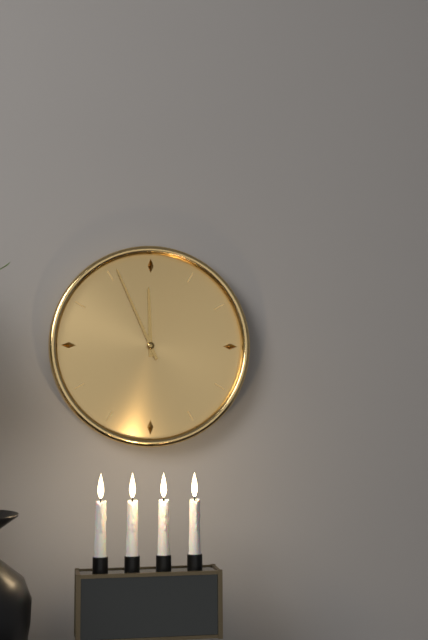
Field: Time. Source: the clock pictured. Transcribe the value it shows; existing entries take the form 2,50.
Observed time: 11,56
